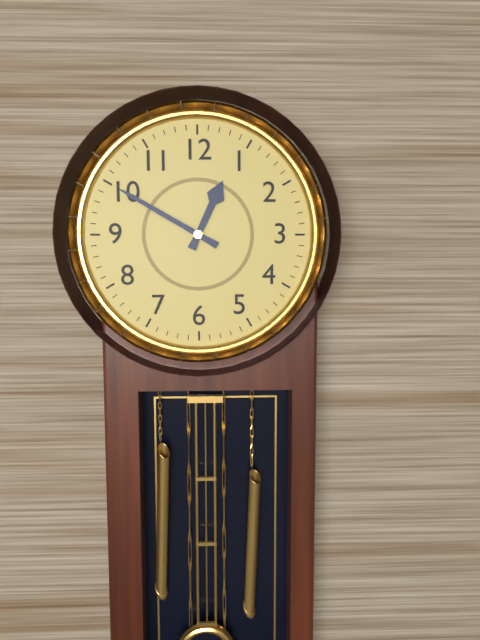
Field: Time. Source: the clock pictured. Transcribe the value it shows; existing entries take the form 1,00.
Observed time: 12,50
